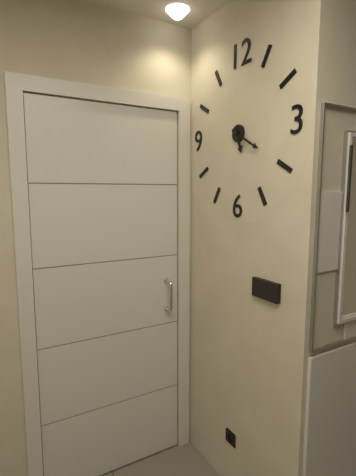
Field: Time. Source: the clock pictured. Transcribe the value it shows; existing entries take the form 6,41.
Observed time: 5,20
